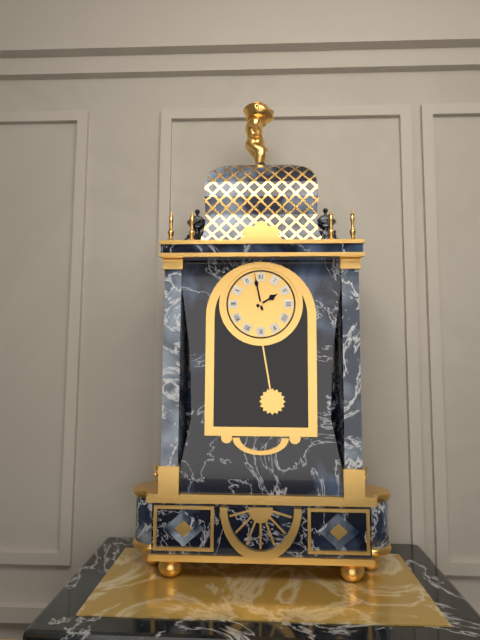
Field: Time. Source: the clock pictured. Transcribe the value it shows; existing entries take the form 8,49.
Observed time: 1,58
